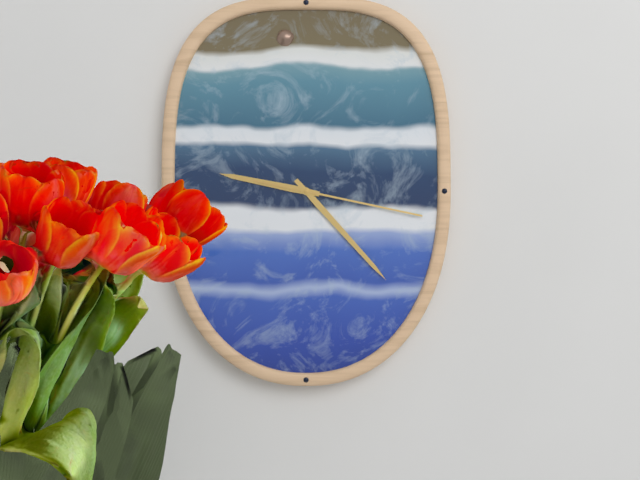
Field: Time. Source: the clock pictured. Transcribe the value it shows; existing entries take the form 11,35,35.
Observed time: 9,23,17
